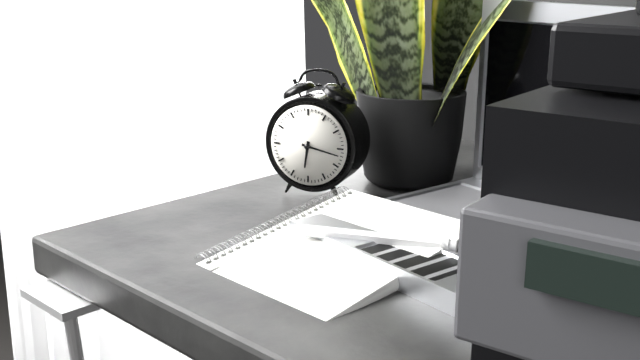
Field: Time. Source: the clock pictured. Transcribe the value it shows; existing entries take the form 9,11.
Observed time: 6,17
